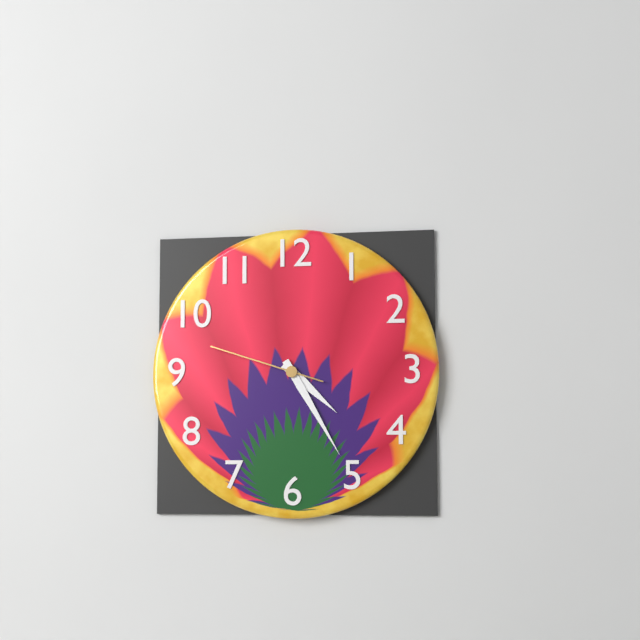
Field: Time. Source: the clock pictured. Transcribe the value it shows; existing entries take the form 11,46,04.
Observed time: 4,25,48
